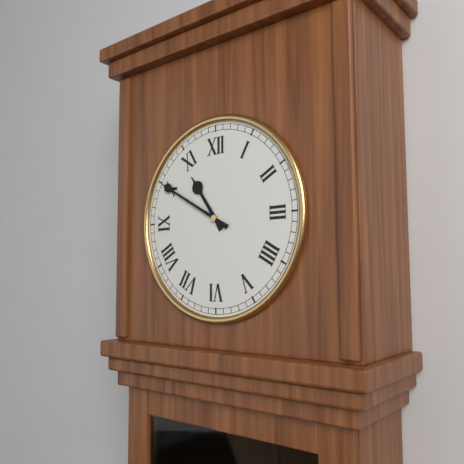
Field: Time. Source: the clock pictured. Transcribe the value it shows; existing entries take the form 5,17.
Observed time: 10,50
